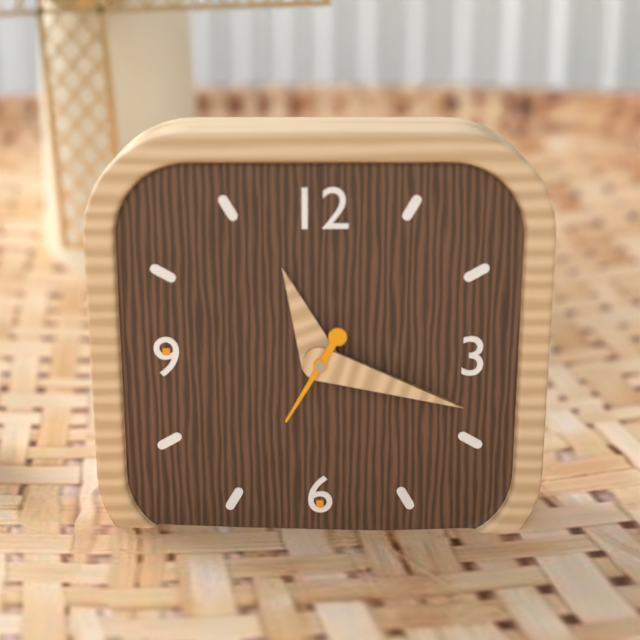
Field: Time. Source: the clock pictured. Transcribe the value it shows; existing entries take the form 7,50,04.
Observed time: 11,18,35
